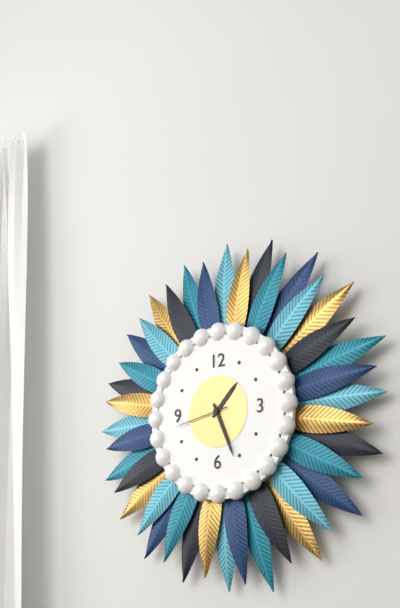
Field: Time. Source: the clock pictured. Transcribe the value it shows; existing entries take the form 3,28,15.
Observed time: 1,26,43
